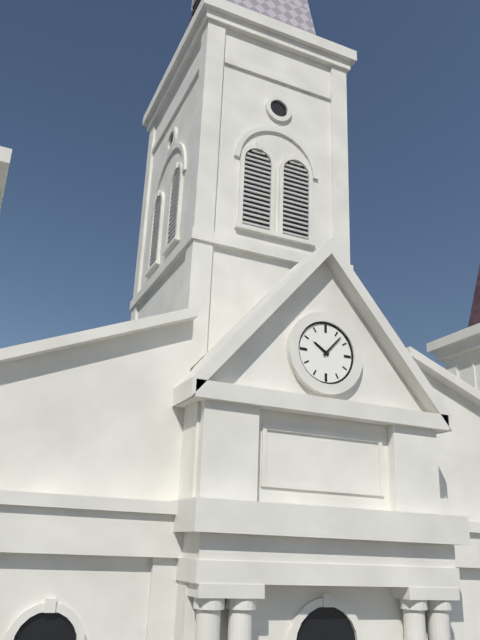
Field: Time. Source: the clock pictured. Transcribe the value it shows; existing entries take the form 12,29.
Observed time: 10,07
